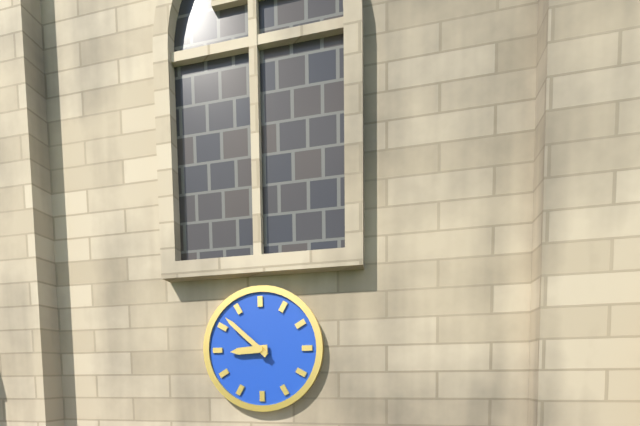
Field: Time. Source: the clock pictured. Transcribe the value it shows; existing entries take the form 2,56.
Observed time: 8,52
